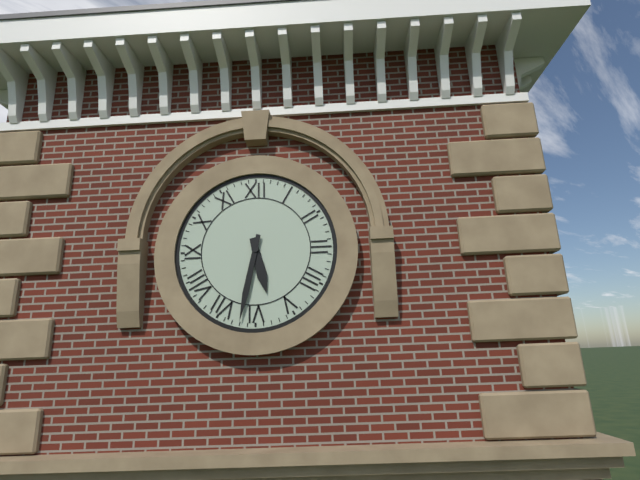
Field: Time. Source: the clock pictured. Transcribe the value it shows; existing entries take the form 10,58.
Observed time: 5,32
